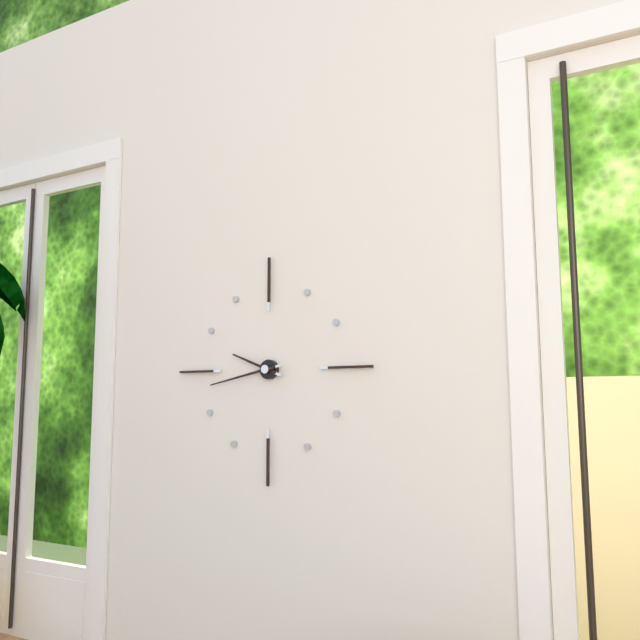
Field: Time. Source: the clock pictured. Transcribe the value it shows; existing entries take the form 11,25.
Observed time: 9,43
